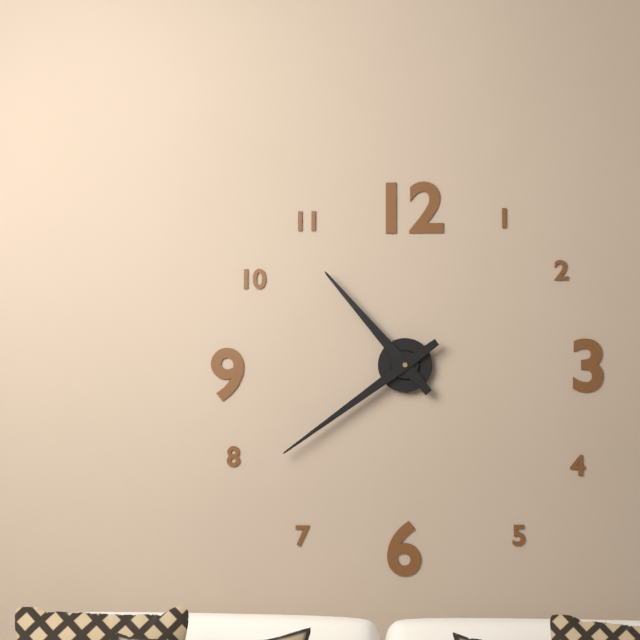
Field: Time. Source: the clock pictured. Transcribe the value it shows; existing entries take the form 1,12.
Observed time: 10,39
